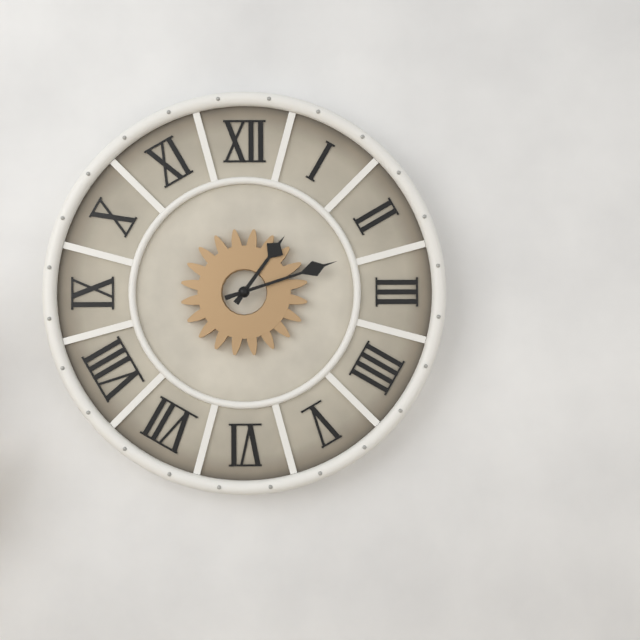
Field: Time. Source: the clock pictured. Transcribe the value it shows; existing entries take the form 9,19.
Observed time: 1,12
